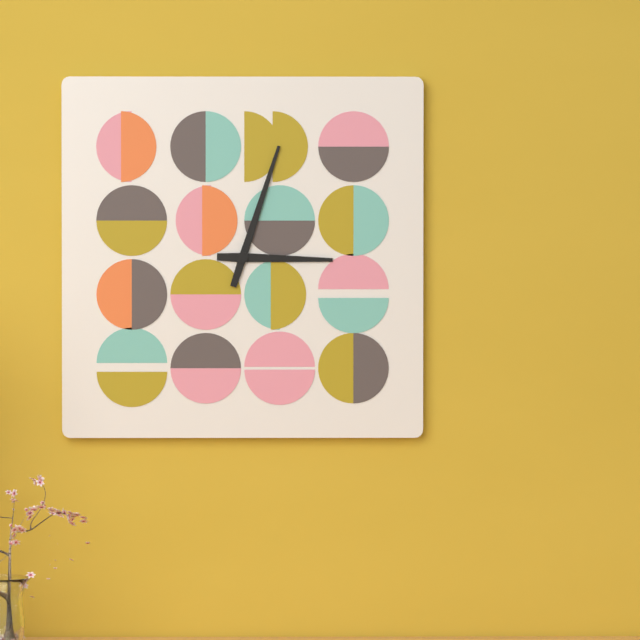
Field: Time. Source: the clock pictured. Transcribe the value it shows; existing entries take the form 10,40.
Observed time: 3,03
